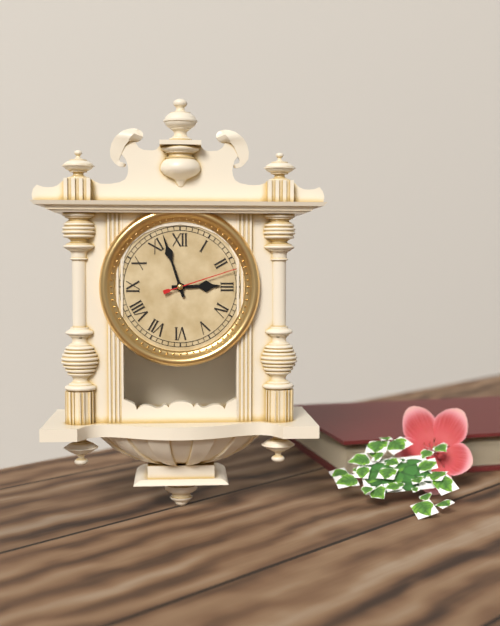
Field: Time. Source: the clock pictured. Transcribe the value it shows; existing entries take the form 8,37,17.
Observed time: 2,57,12
